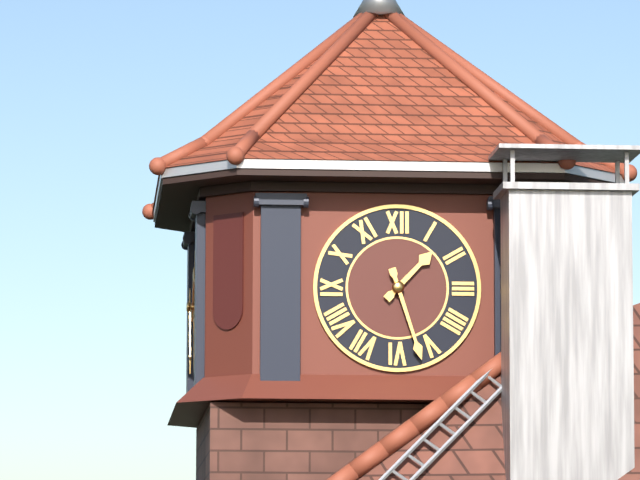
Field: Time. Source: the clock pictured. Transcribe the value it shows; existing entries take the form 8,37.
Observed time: 1,27
